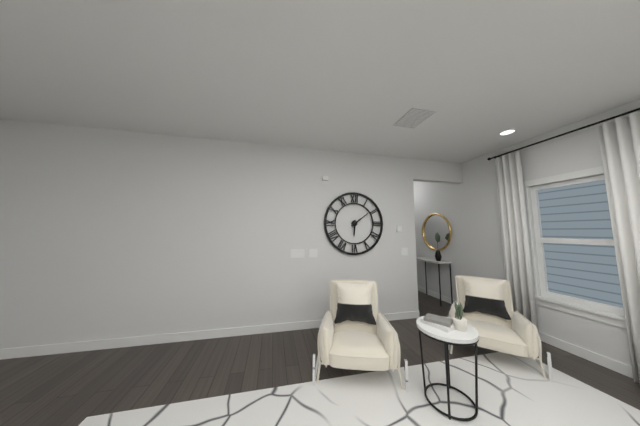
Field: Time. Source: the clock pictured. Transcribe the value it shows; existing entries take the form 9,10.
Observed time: 6,09
